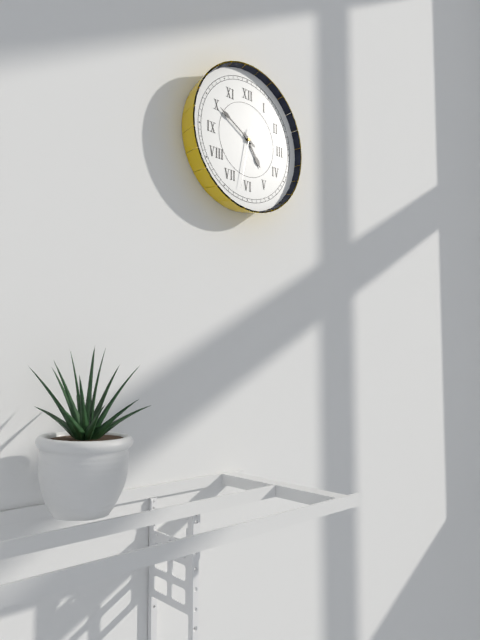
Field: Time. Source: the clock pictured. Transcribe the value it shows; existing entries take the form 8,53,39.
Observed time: 4,50,32
